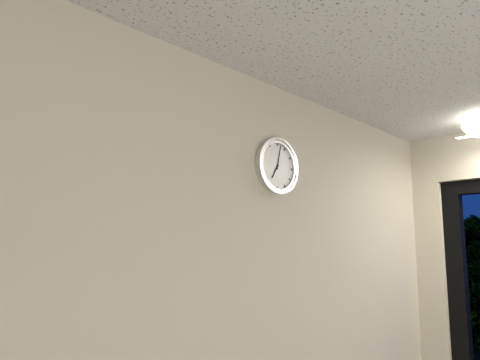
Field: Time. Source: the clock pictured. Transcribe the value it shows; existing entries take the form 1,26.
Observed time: 7,02
